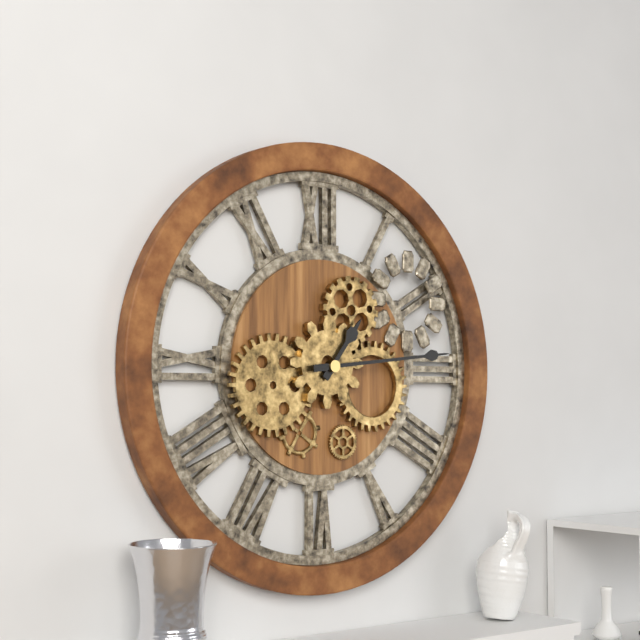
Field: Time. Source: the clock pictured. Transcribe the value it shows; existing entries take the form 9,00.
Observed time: 1,14
